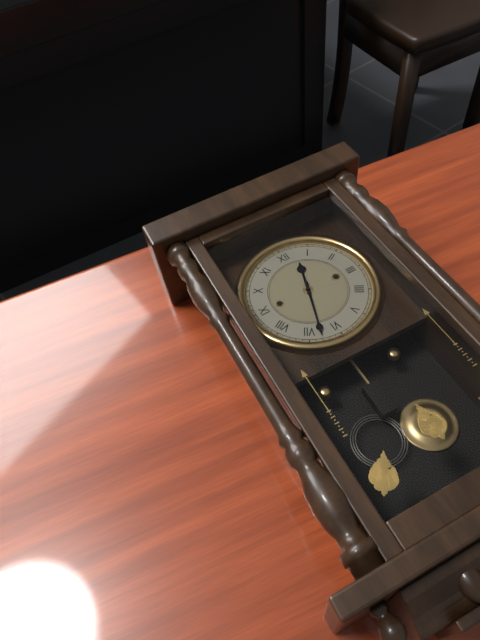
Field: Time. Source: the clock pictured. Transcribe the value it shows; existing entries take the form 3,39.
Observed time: 12,33
